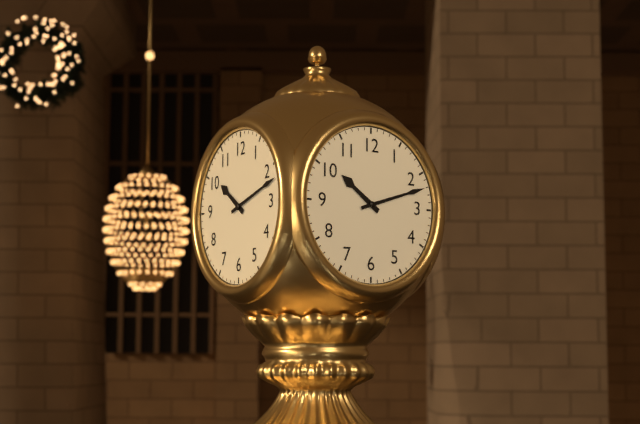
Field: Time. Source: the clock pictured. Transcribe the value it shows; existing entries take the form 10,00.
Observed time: 10,12
